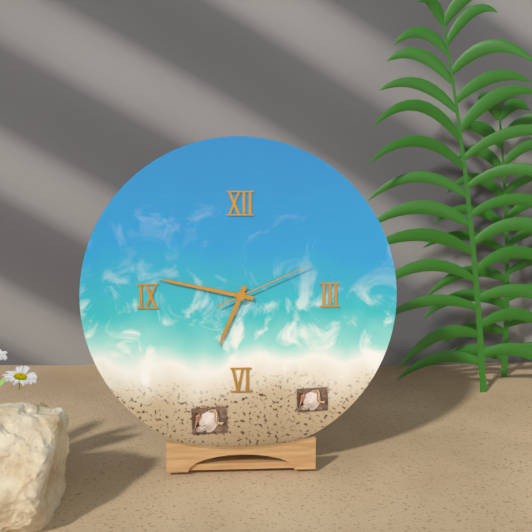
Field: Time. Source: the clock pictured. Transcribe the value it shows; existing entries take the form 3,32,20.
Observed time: 6,47,11
